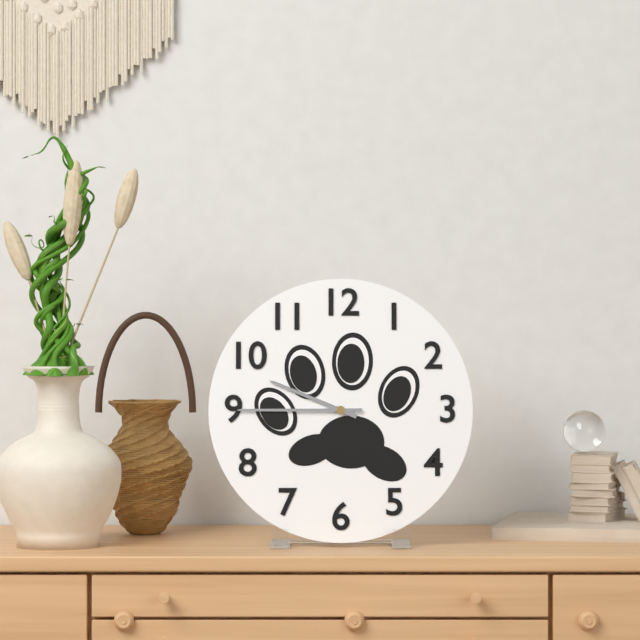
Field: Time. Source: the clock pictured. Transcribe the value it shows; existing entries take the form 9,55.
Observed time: 9,45
